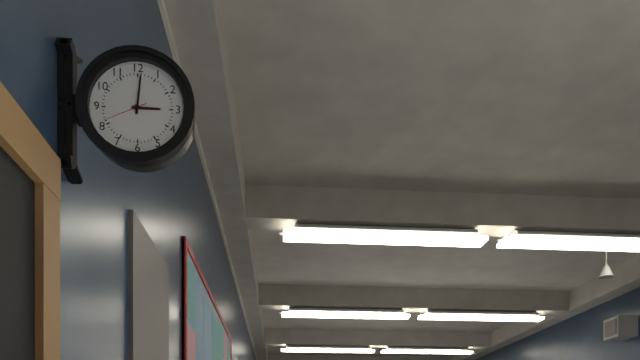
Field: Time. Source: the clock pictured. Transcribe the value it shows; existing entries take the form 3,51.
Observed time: 3,01
